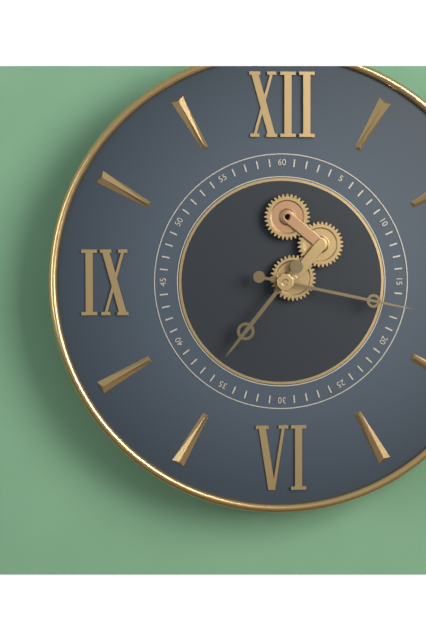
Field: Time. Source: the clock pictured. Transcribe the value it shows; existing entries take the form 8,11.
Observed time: 7,17
